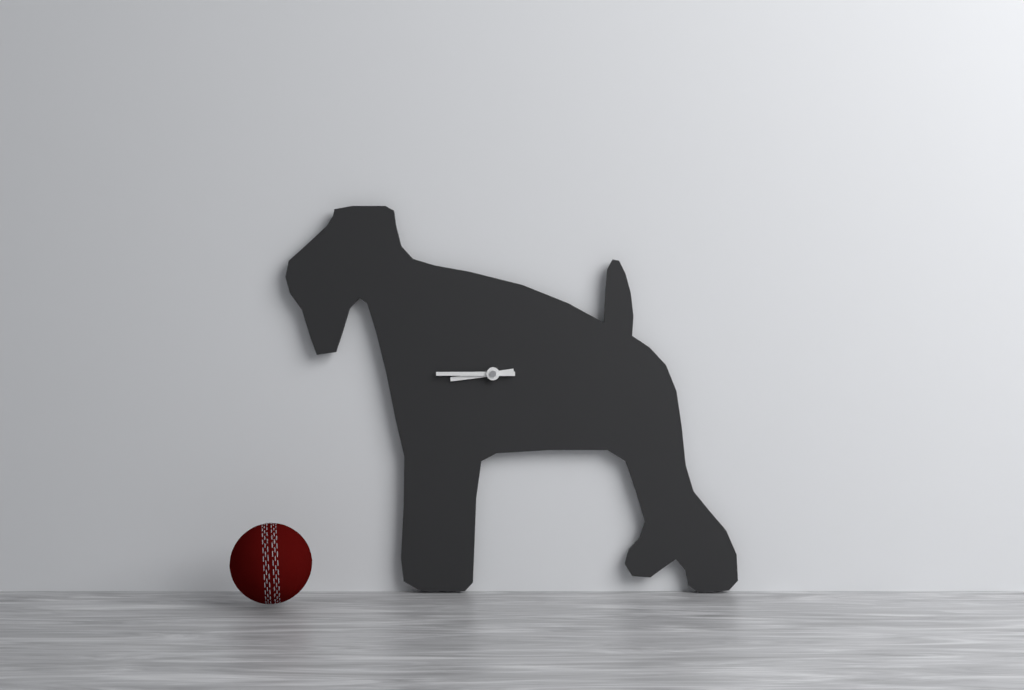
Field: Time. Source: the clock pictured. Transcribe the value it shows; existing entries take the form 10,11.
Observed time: 8,45
